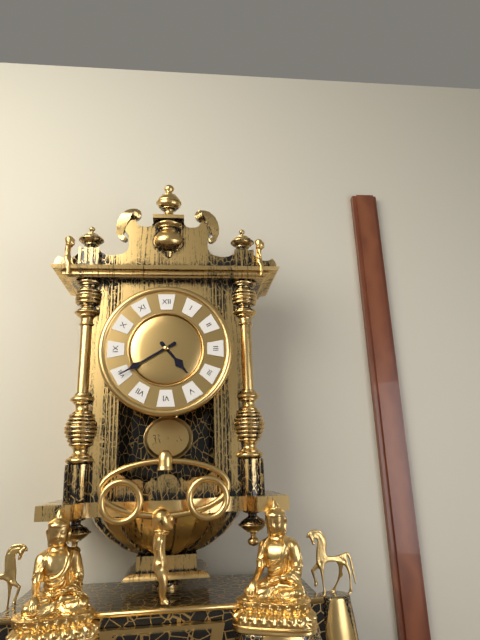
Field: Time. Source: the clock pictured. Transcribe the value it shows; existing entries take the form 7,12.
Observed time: 4,40
